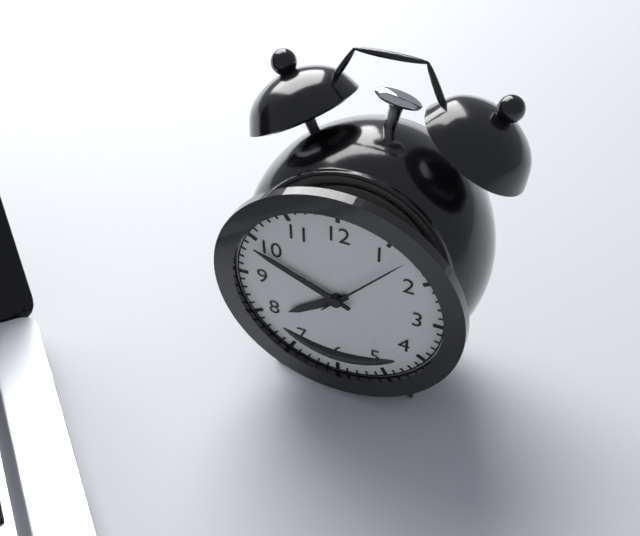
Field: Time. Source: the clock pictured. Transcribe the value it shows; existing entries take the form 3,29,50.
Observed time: 7,49,07
